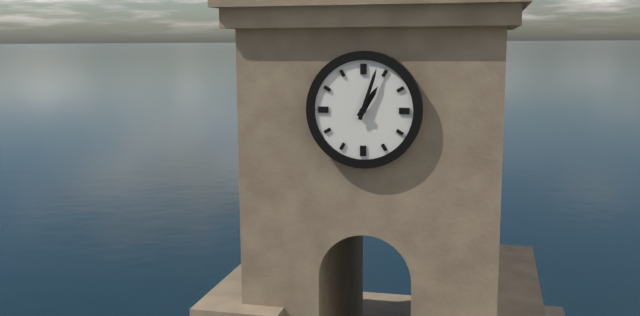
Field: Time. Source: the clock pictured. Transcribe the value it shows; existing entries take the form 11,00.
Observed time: 1,03
